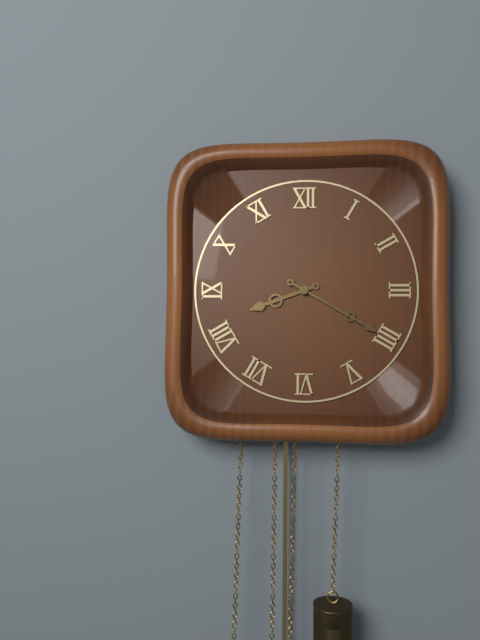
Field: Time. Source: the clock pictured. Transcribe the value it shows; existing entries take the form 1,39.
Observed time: 8,20
